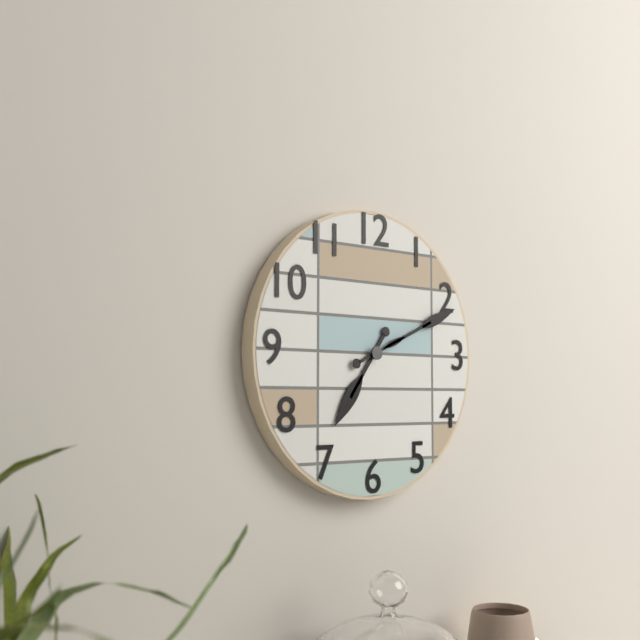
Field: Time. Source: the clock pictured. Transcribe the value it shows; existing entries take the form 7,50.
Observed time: 7,11
